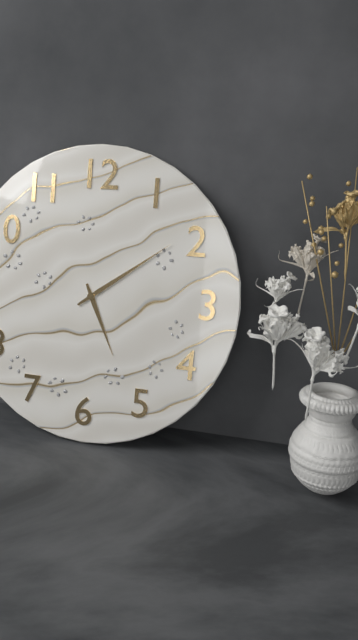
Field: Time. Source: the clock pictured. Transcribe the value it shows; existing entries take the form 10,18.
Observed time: 5,09
